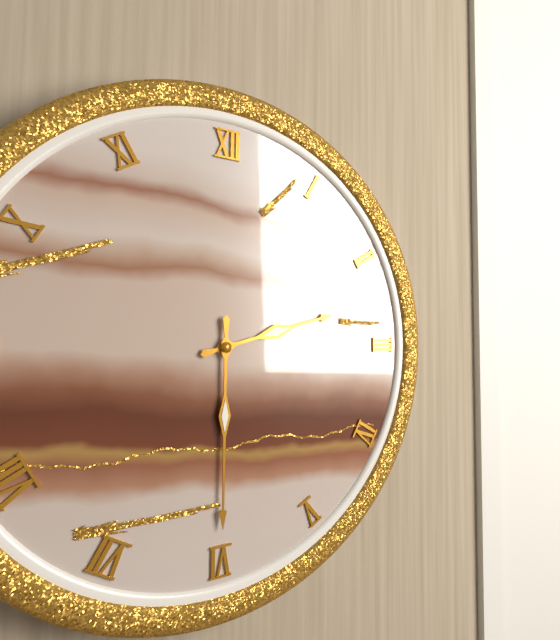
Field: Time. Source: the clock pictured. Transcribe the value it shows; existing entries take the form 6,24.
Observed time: 2,30
